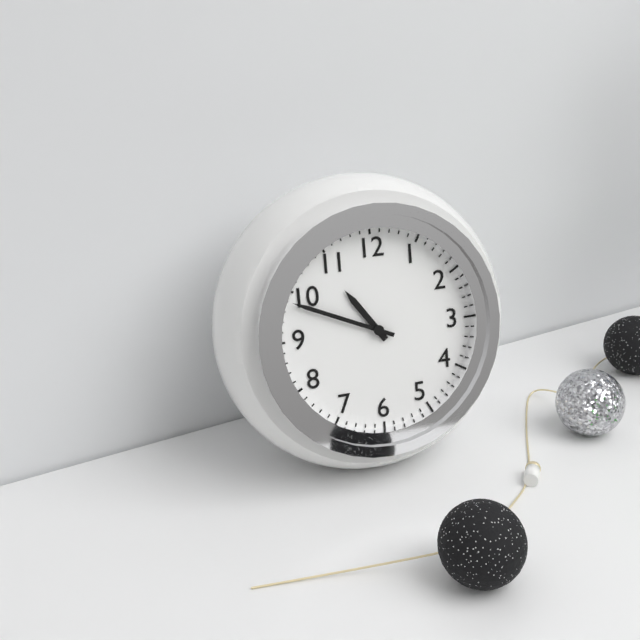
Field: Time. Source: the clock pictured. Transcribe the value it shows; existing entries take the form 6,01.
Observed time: 10,49
